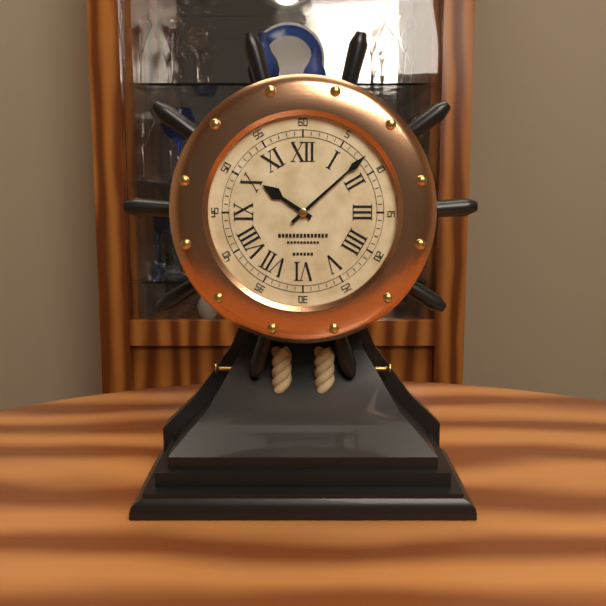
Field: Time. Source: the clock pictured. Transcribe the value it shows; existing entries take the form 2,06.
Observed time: 10,08
